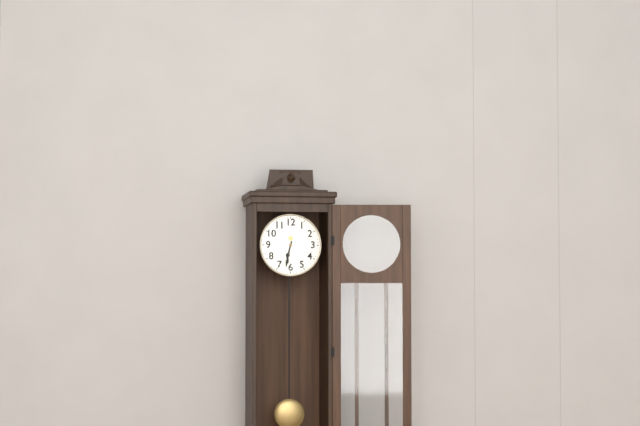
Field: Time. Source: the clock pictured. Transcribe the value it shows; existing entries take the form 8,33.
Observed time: 6,32
